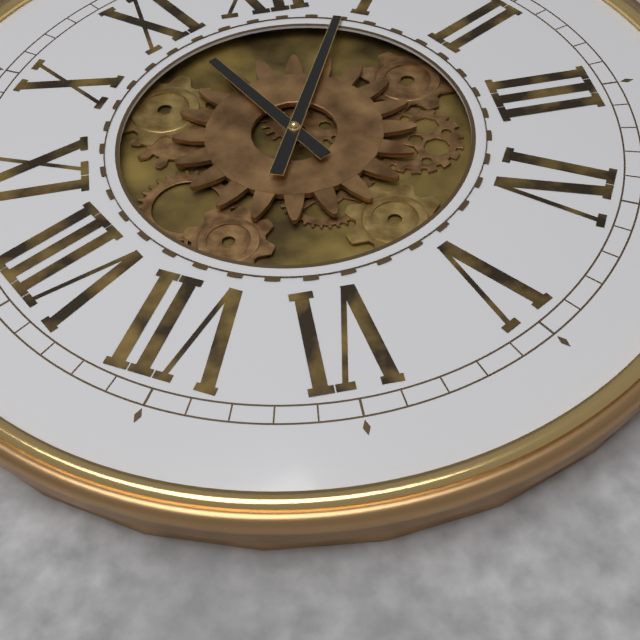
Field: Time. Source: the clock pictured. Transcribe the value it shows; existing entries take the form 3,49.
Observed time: 11,04
